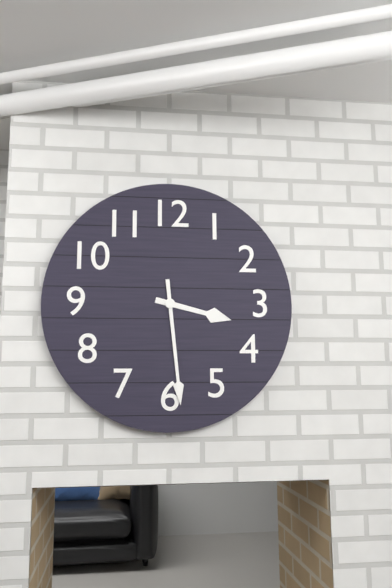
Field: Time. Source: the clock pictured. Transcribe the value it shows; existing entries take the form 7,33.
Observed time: 3,29
